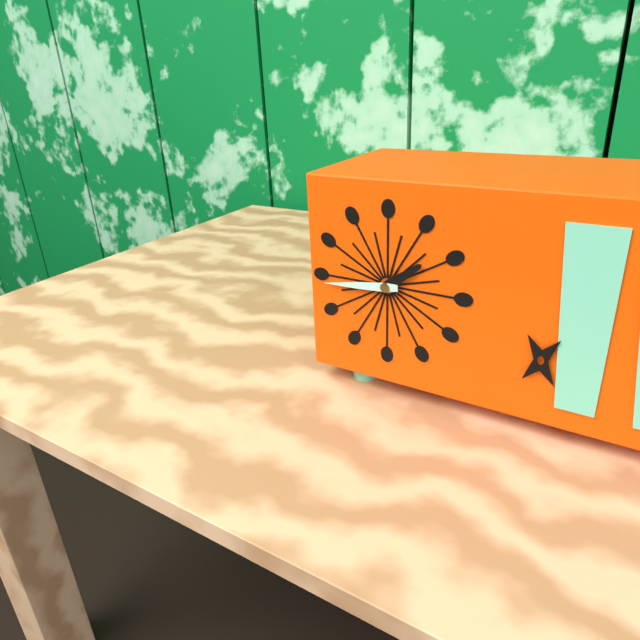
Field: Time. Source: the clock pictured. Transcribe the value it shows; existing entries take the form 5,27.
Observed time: 1,44
